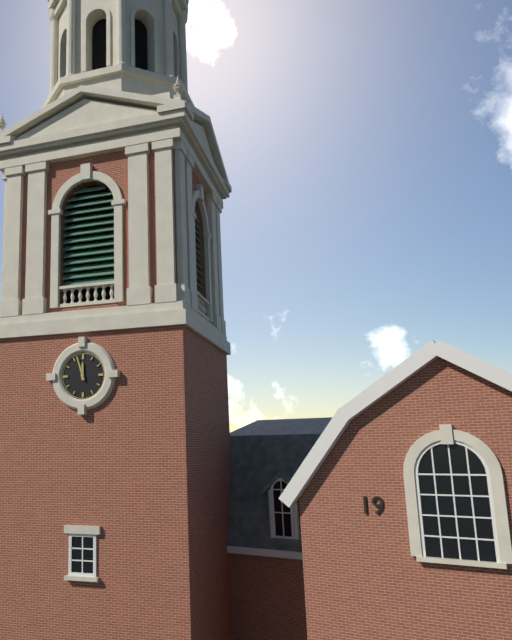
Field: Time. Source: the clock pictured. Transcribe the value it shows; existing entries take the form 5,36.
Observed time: 11,57
